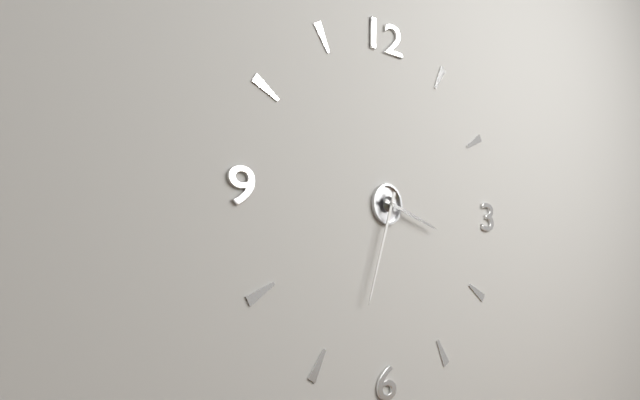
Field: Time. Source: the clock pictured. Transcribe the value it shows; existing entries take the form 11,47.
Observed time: 3,33
